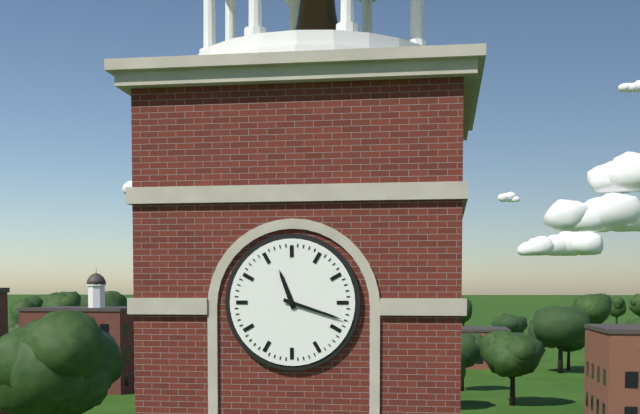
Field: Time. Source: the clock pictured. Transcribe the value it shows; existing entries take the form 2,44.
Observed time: 11,18
